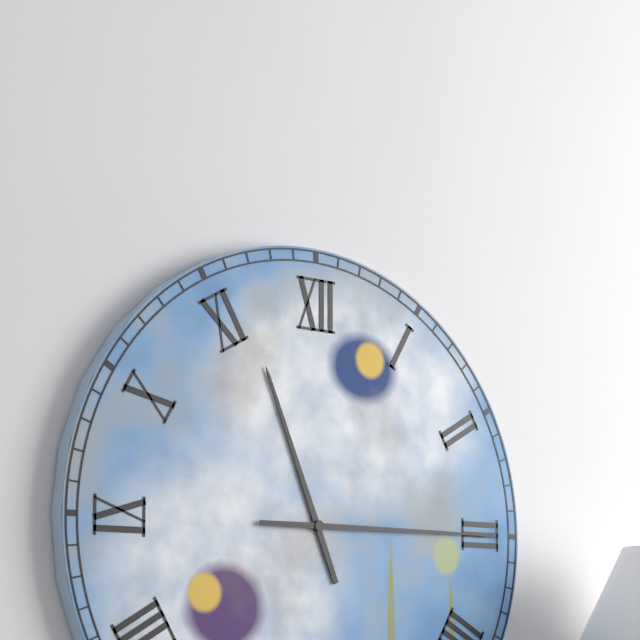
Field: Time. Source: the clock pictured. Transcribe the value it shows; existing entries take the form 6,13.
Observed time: 11,15
